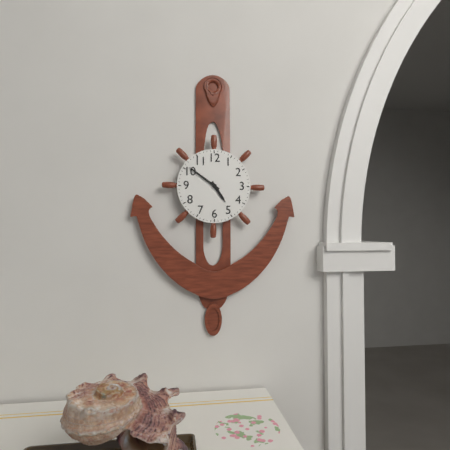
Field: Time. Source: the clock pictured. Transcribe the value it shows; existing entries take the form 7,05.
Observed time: 4,51
